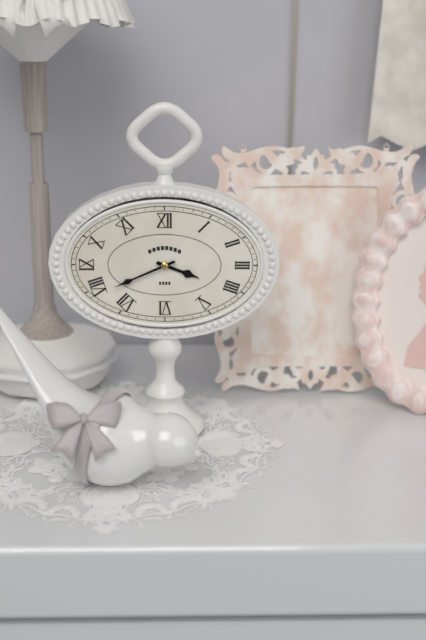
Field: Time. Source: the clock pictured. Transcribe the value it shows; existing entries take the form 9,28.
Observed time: 3,41
